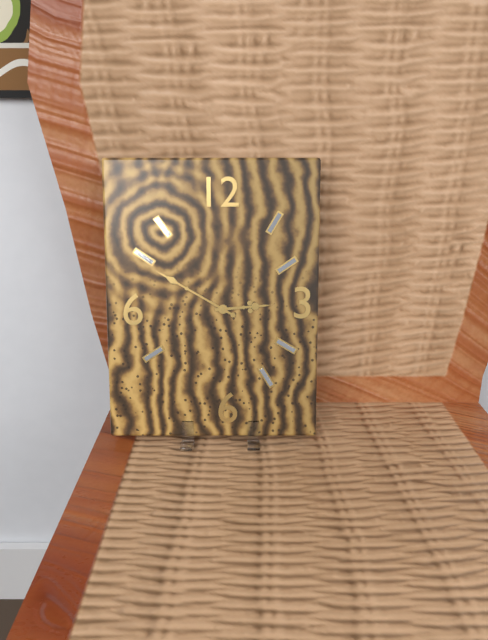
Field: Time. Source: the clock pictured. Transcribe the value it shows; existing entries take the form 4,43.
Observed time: 2,50
